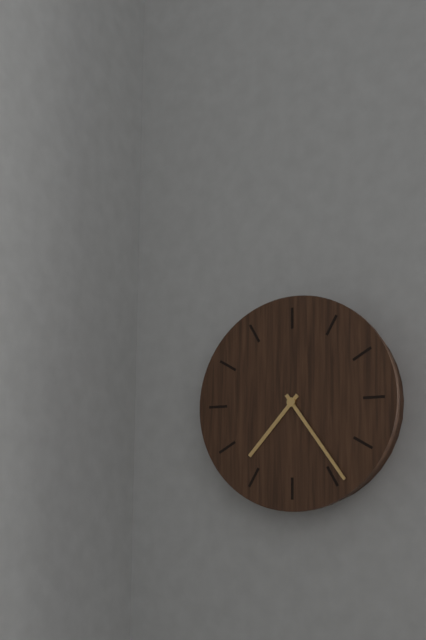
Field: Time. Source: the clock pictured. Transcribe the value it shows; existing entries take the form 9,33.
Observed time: 7,24
